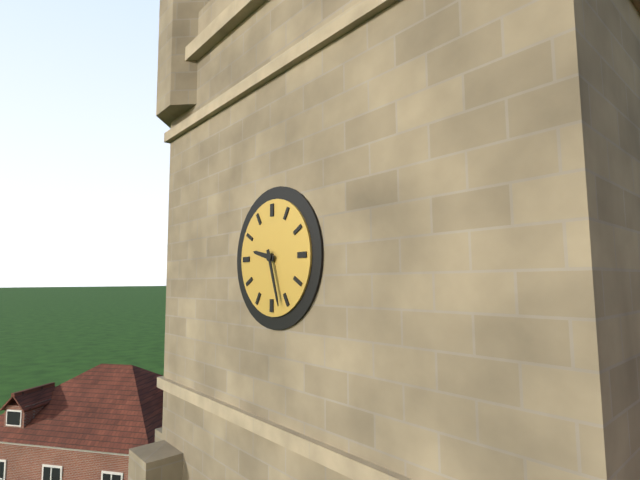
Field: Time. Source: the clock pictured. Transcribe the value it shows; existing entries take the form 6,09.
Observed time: 9,27
